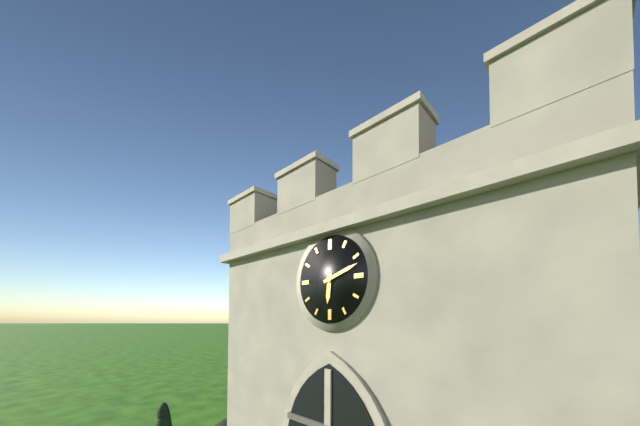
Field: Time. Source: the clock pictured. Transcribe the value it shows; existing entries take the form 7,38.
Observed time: 6,12
